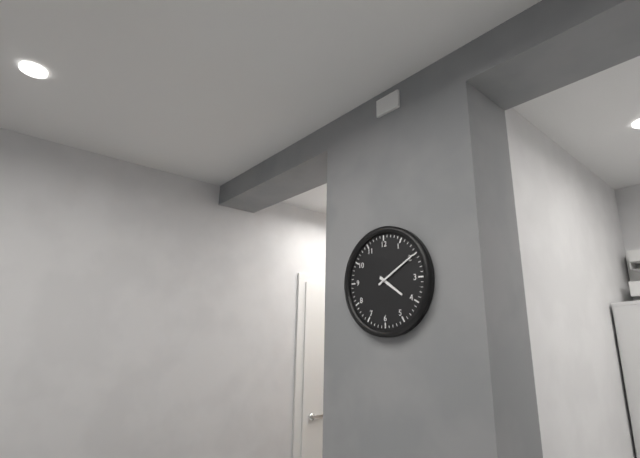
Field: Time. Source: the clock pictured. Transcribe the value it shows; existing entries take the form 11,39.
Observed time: 4,10
